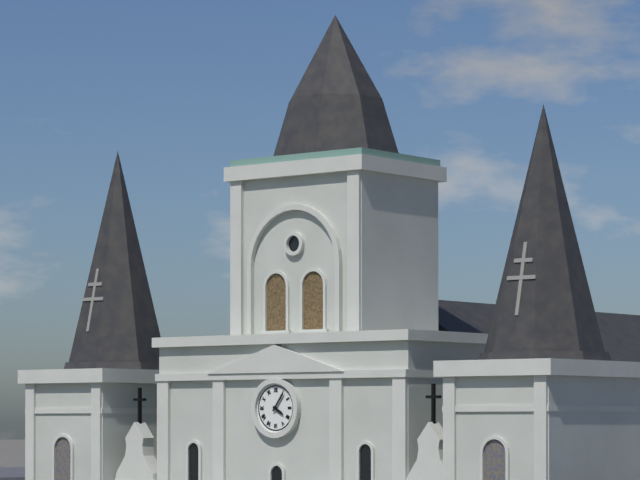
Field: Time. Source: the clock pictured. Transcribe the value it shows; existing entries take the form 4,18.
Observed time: 4,06
